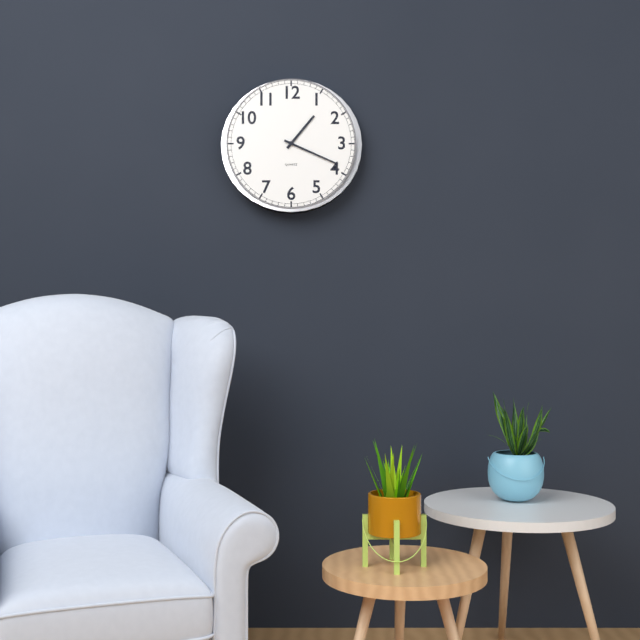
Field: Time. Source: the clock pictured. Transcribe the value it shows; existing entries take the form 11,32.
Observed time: 1,19
